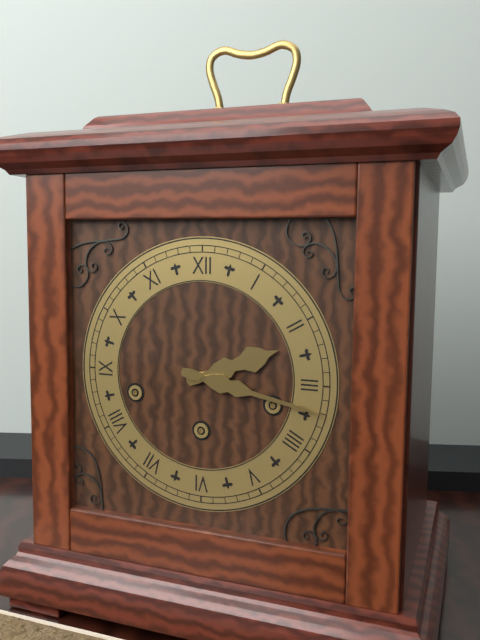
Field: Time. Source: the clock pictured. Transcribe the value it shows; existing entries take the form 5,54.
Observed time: 2,17
